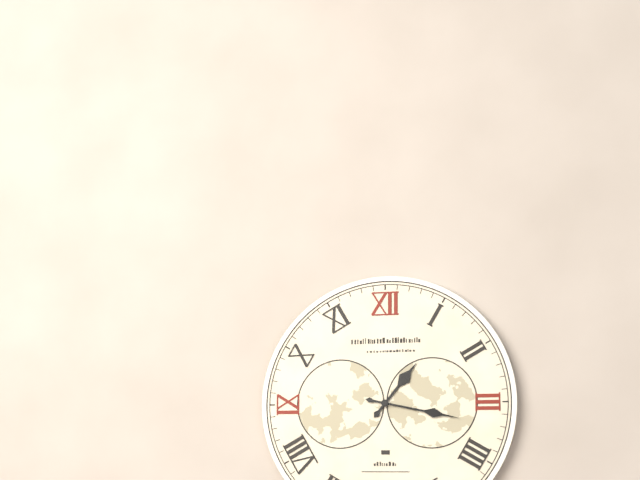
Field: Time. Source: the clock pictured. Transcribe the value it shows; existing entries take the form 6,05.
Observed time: 1,17
